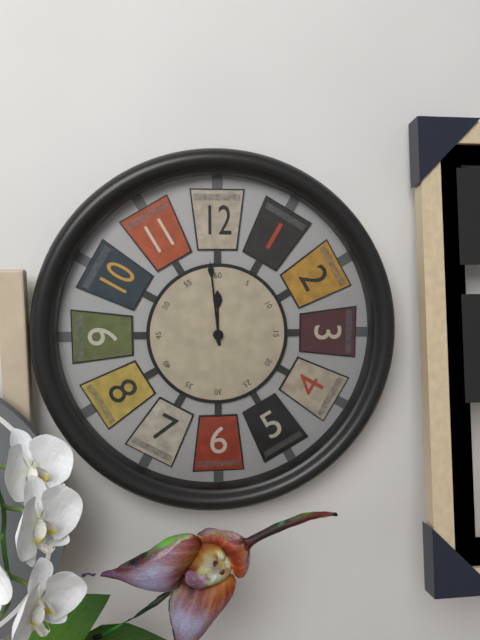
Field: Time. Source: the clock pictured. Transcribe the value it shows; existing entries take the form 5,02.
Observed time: 11,59
